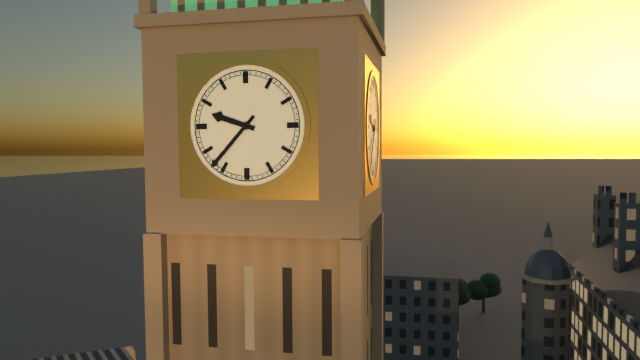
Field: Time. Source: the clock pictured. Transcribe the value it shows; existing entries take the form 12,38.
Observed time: 9,37
